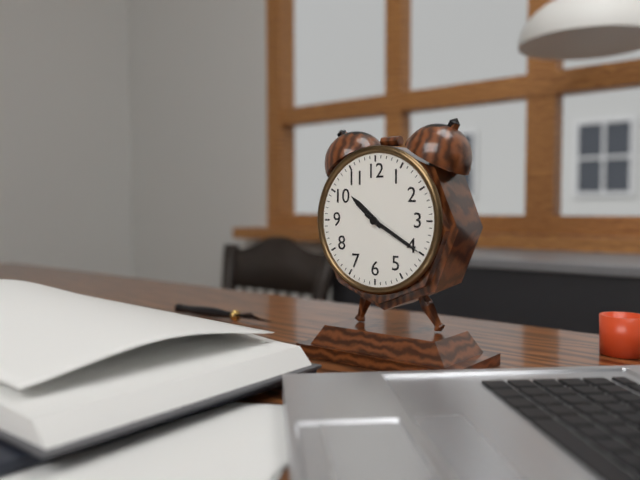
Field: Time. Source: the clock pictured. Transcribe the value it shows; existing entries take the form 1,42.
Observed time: 10,20
